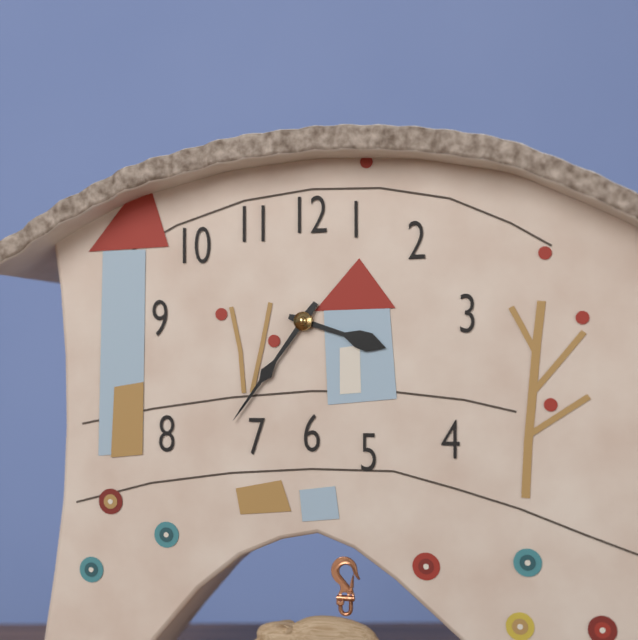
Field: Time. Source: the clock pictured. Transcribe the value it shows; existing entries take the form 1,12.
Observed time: 3,36
